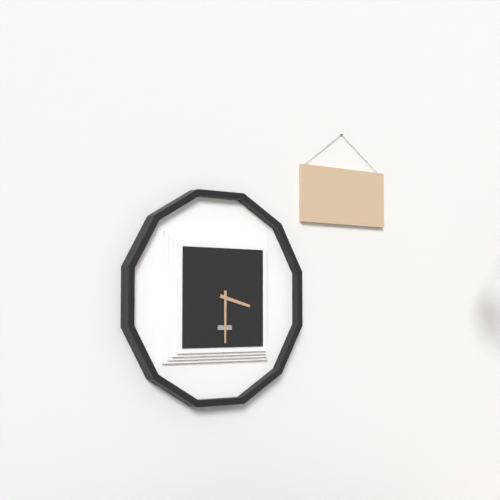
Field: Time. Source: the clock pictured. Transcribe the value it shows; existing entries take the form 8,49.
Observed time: 3,30
